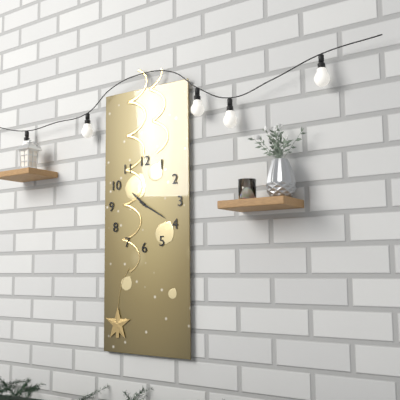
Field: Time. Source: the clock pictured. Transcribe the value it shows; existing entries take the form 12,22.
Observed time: 10,20
